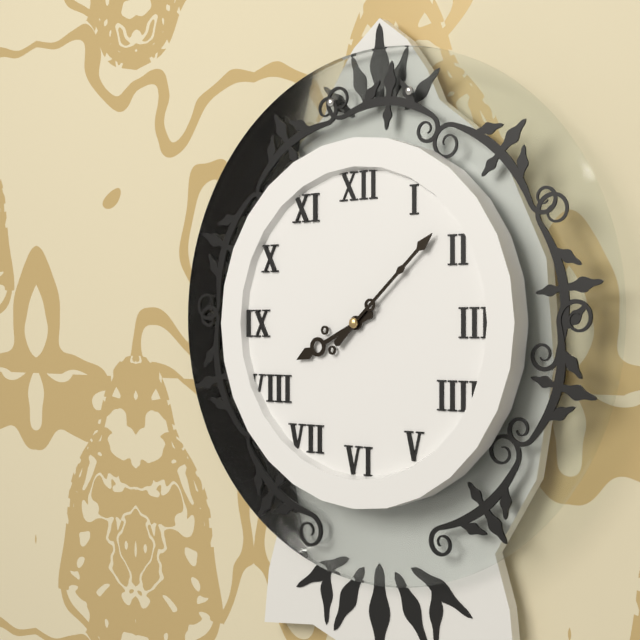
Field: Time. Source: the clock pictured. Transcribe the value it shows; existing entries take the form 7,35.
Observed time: 8,08
